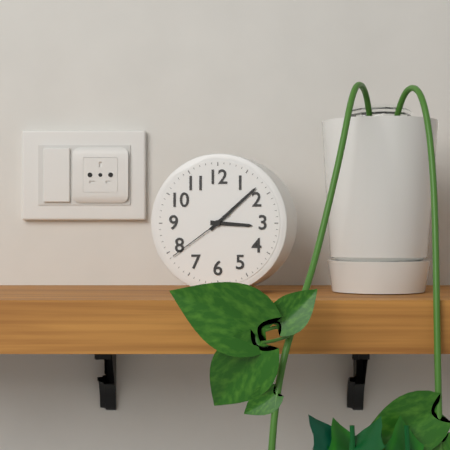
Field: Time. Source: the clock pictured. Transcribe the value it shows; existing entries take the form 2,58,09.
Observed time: 3,08,39
